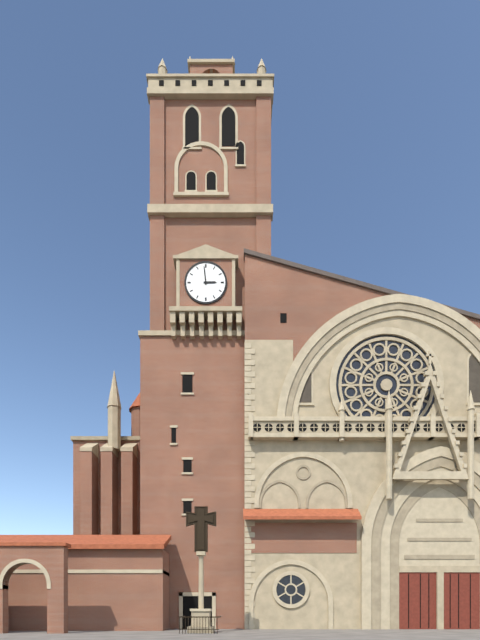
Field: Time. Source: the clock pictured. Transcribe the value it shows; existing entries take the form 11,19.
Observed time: 2,59
